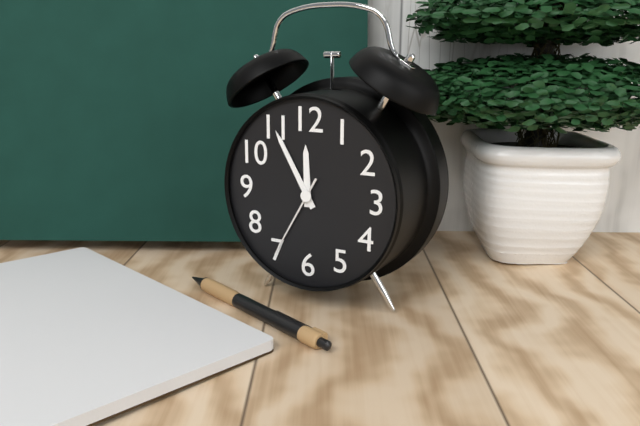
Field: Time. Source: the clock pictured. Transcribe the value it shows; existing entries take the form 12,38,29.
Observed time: 11,55,35
